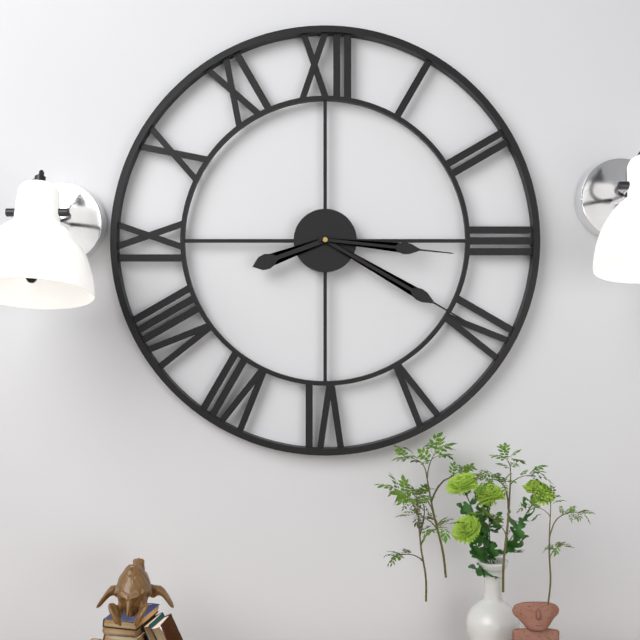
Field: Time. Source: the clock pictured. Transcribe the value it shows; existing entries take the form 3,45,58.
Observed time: 8,20,16
